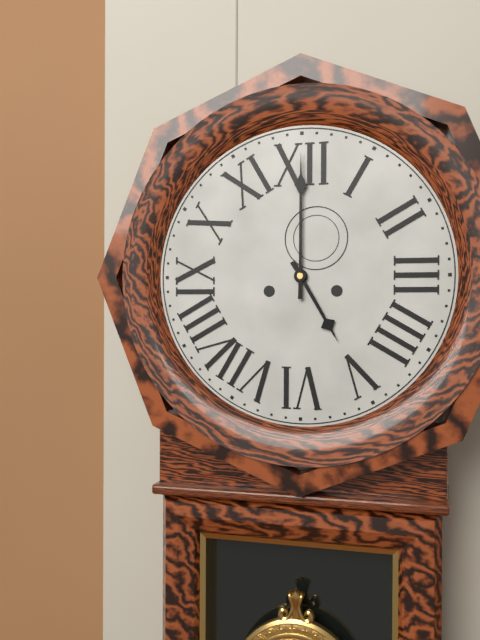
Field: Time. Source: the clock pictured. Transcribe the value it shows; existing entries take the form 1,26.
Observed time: 5,00
